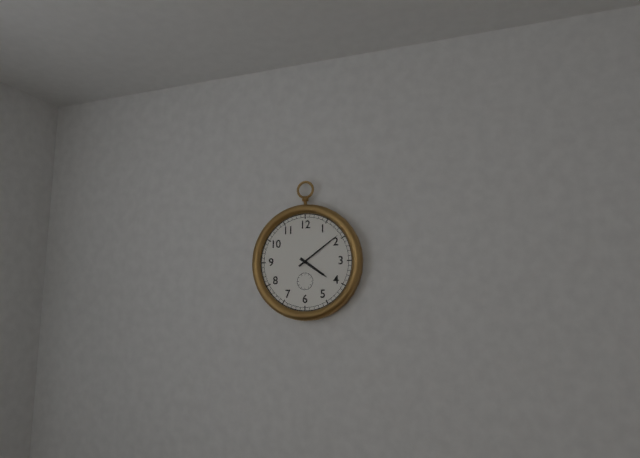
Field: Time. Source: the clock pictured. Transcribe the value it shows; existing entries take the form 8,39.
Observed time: 4,09
